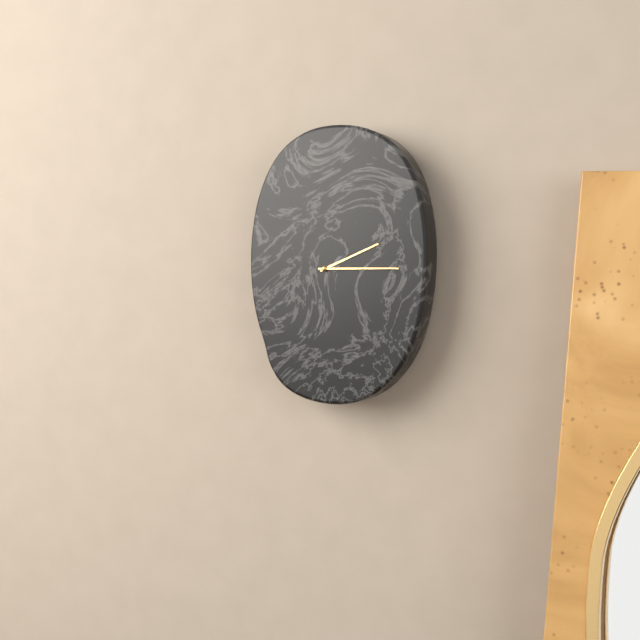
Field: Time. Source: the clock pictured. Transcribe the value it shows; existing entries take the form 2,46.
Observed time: 2,15
